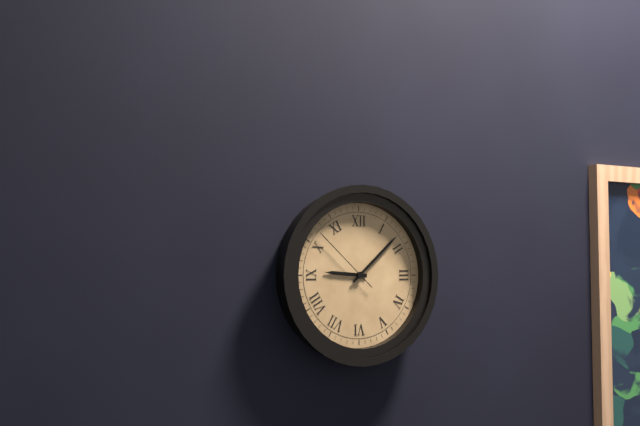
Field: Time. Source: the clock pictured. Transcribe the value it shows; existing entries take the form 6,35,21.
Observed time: 9,08,52
